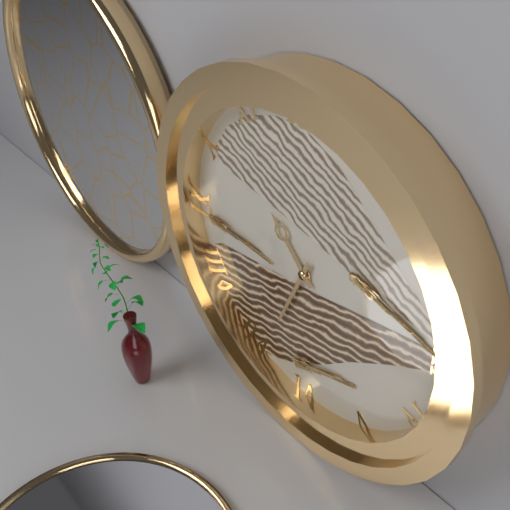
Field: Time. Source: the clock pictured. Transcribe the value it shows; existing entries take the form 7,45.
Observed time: 10,34
